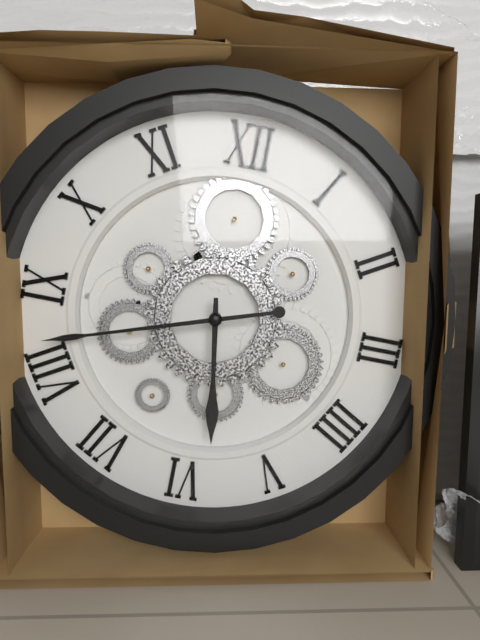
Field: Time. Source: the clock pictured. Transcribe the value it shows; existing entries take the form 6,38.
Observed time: 5,42
